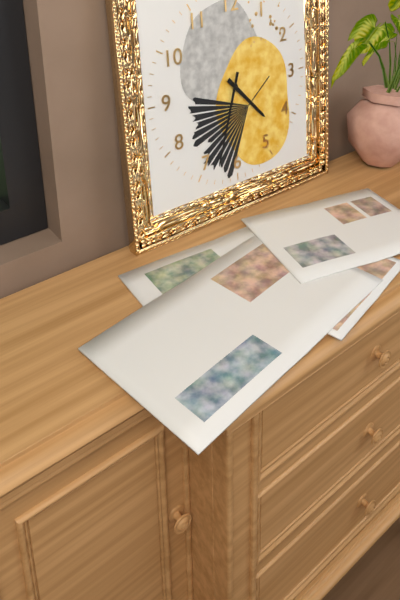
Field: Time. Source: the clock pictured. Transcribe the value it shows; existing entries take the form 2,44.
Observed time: 4,33
